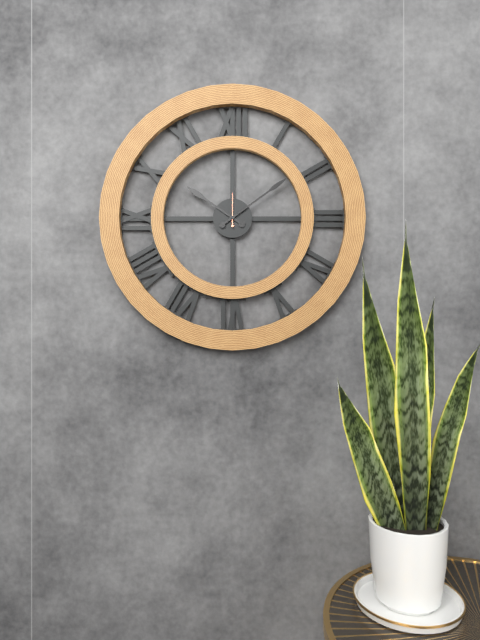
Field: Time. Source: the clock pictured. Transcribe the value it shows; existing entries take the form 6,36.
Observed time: 10,09
